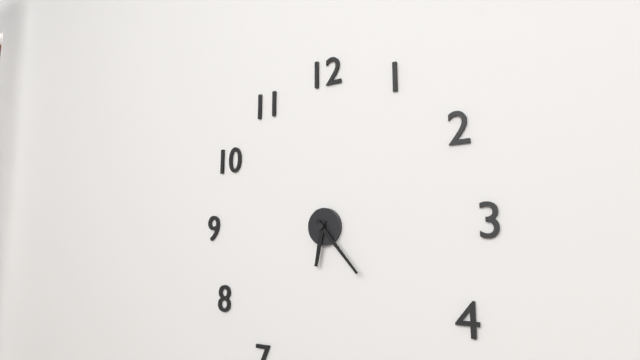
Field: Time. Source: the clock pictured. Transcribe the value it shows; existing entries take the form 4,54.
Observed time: 6,23
